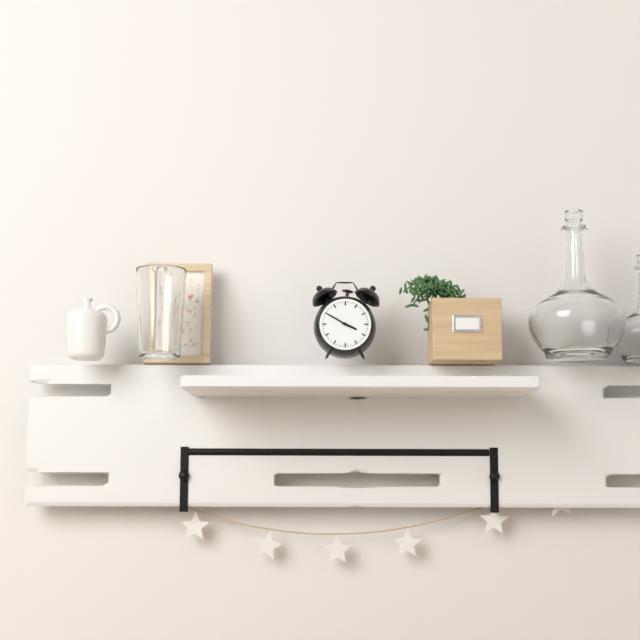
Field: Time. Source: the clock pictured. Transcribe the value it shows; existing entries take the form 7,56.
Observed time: 3,50
